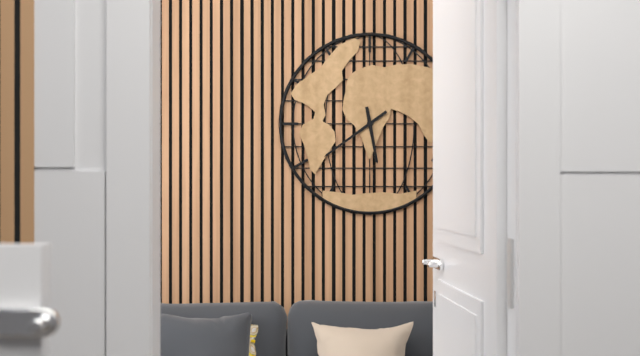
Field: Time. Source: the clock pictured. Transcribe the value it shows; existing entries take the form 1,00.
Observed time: 5,39
